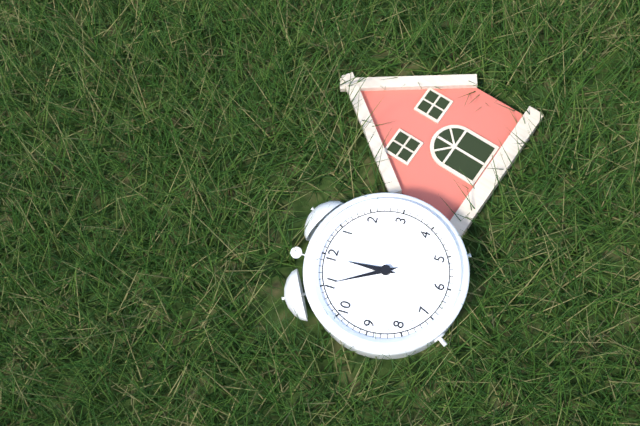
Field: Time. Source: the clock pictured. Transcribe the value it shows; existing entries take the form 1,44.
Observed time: 11,55
